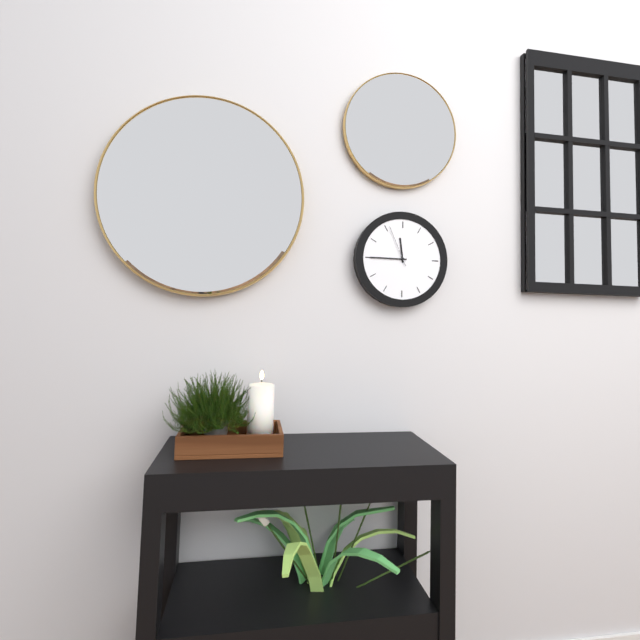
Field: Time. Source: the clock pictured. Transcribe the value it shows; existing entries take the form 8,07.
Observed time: 11,45
